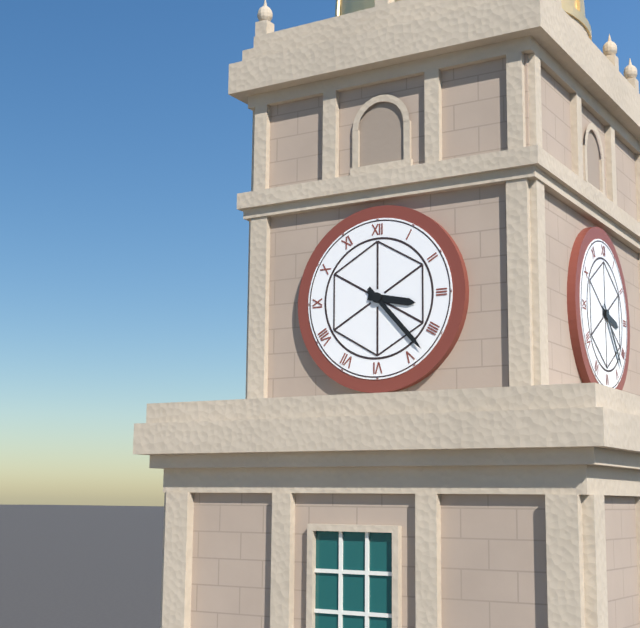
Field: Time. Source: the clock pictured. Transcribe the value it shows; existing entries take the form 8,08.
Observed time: 3,23
